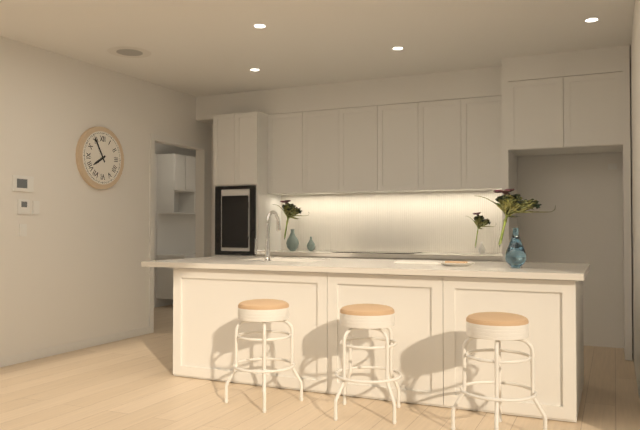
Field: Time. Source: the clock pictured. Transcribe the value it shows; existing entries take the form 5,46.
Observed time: 7,55
